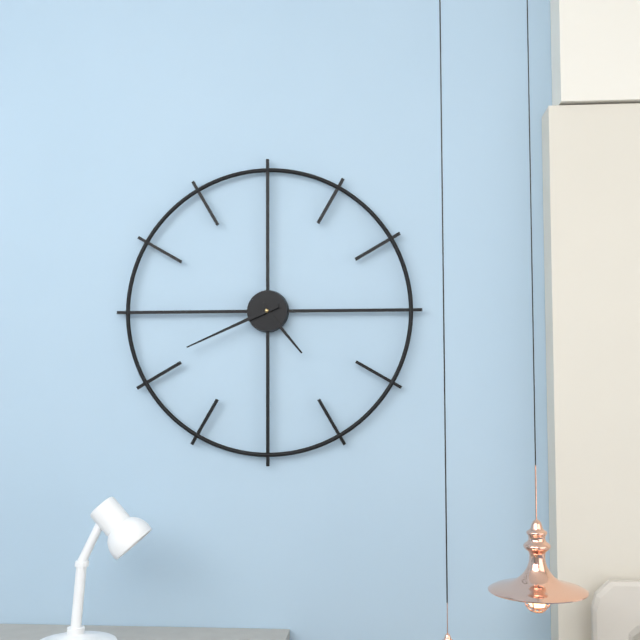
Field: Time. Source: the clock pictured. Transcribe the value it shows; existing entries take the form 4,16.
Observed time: 4,41
